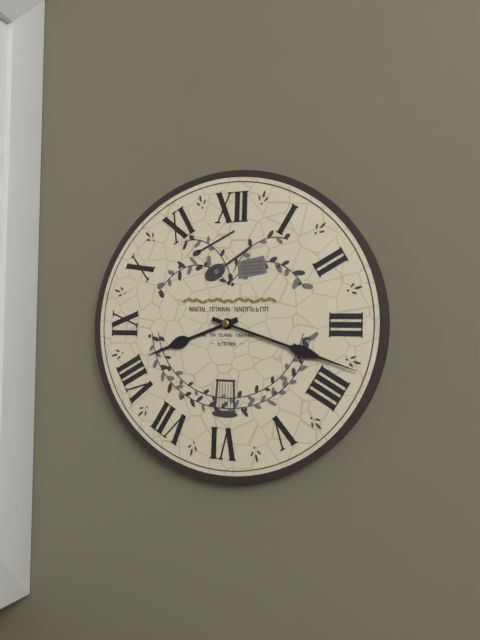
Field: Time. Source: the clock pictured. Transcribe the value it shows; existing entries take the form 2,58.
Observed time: 8,18
